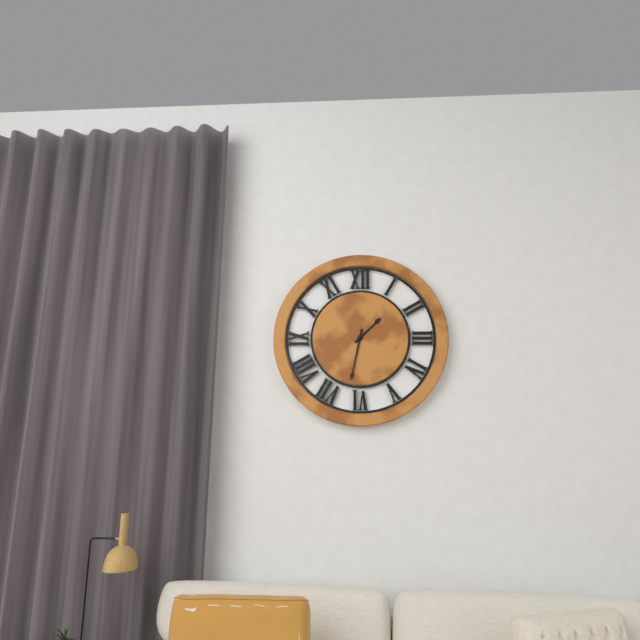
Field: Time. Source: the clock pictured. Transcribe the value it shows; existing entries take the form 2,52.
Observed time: 1,32
